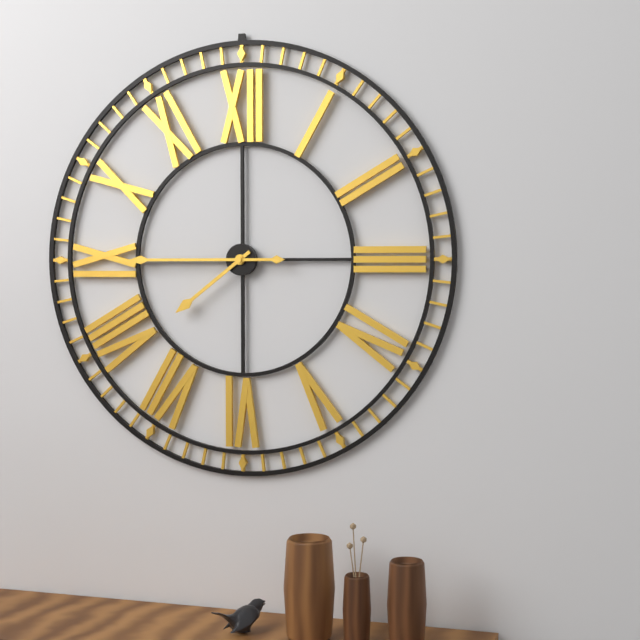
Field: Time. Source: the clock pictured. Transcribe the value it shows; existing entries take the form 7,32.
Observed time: 7,45
